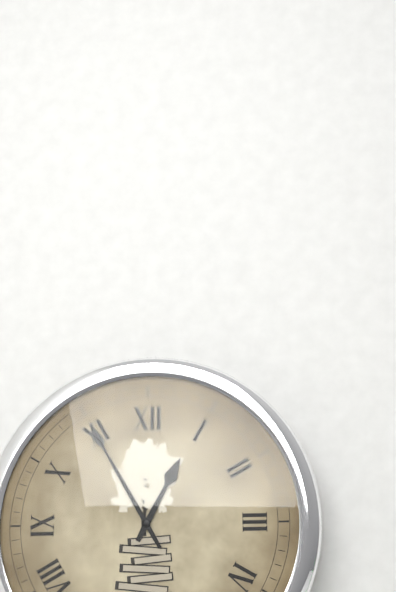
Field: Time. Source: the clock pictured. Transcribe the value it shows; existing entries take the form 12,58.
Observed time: 12,55
